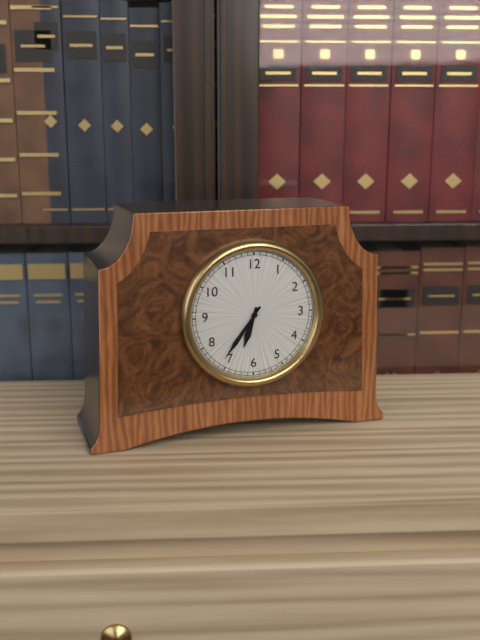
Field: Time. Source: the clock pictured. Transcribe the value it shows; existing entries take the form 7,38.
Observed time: 6,36
